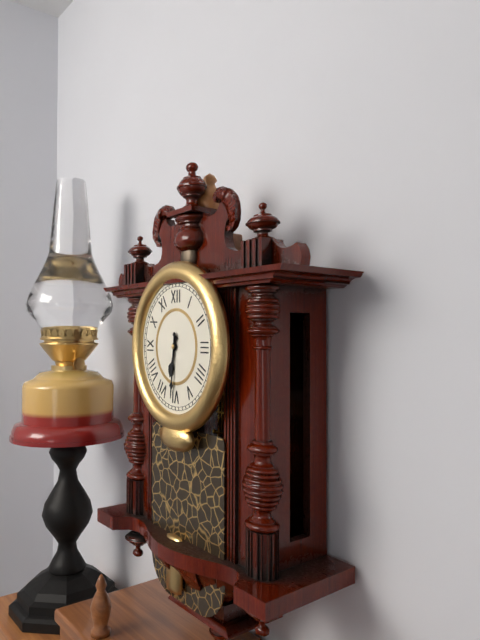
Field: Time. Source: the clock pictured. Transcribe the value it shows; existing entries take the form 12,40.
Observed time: 6,31
